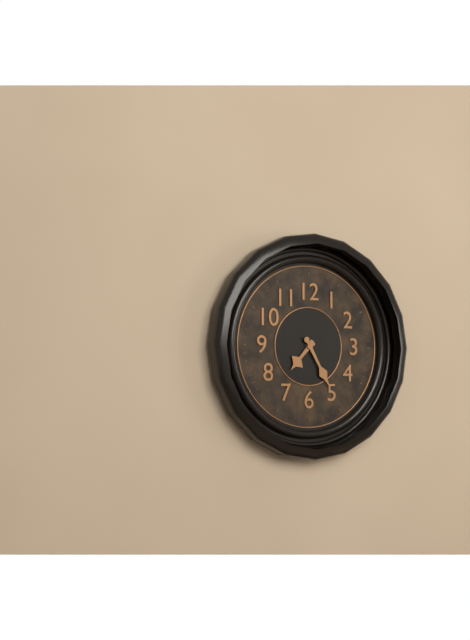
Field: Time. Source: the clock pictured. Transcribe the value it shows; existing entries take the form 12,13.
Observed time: 7,25
